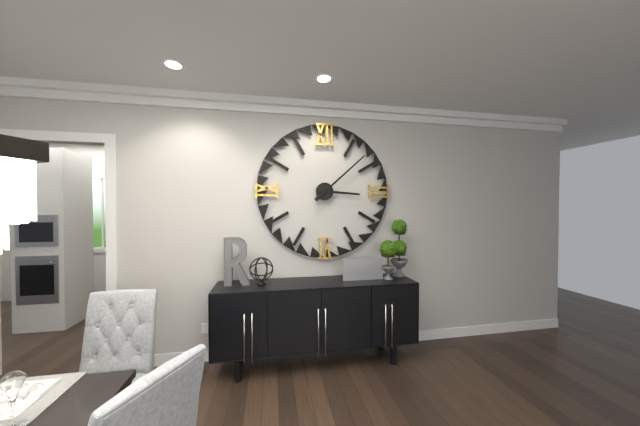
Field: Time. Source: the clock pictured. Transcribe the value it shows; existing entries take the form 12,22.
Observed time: 3,08
